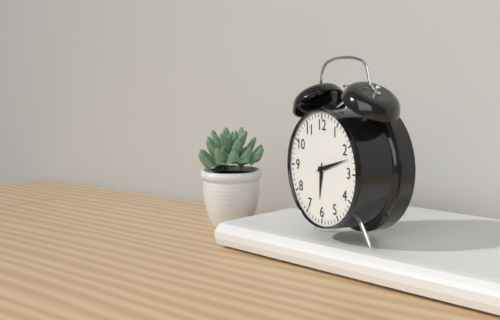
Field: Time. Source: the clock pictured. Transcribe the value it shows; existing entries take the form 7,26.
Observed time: 6,12
